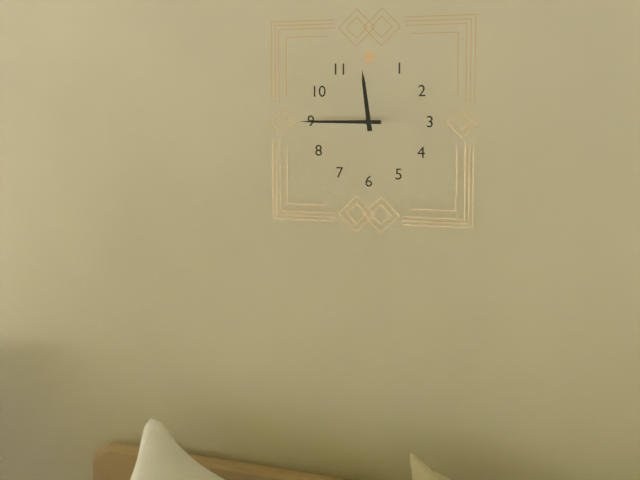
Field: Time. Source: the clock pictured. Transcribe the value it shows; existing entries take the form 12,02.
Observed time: 11,45
